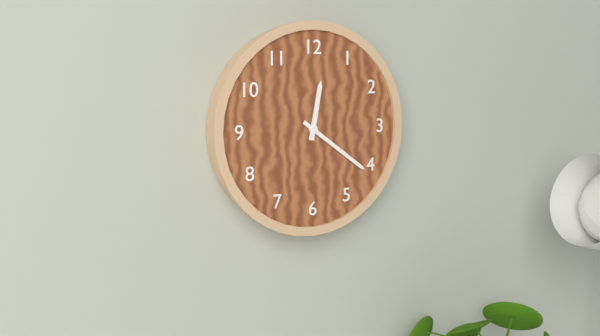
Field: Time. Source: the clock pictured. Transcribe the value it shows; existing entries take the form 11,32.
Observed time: 12,21
